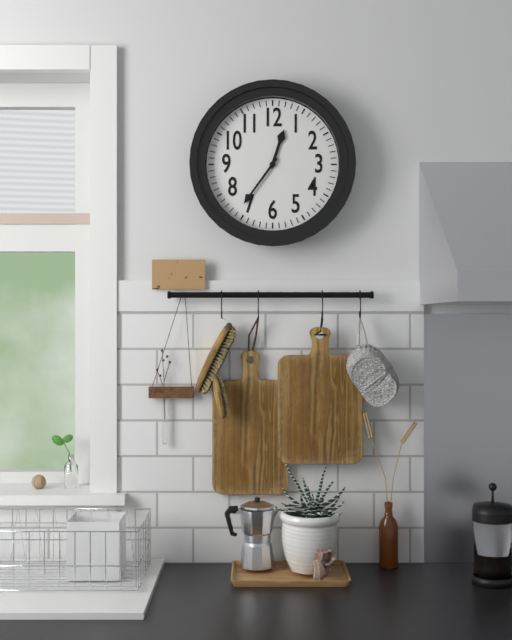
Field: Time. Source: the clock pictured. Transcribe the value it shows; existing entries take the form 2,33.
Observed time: 12,36
